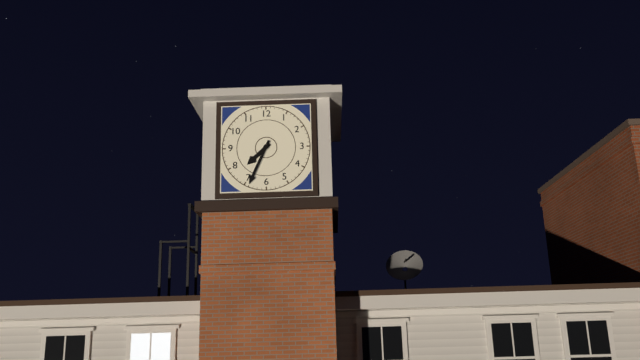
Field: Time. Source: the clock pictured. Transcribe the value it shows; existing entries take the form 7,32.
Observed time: 7,34
